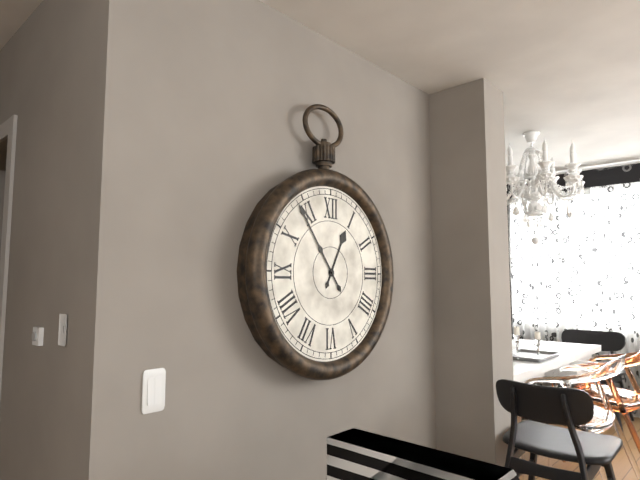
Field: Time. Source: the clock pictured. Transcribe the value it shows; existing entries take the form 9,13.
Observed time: 12,54
